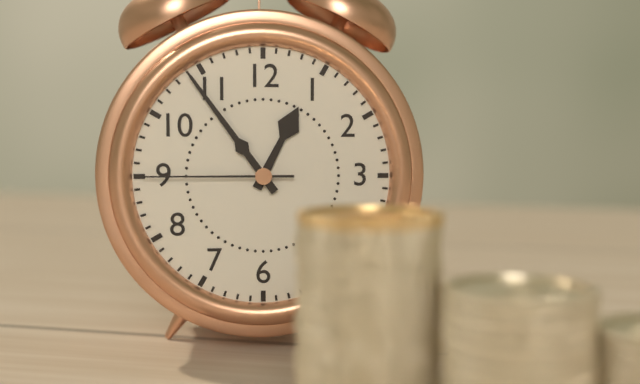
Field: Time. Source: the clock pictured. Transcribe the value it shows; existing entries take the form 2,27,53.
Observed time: 12,54,45
